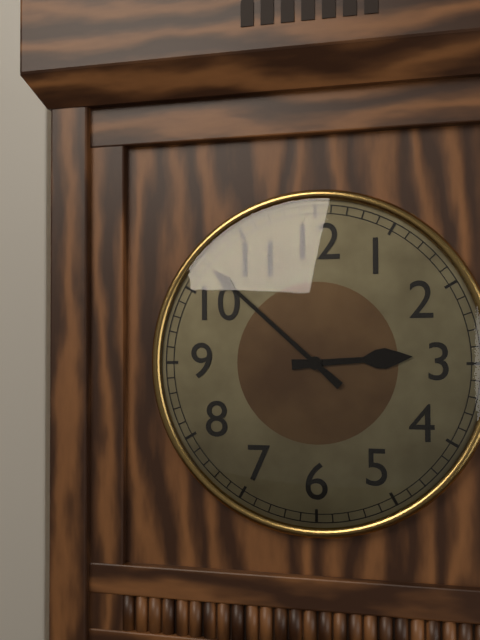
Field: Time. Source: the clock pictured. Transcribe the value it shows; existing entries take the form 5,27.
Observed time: 2,52
